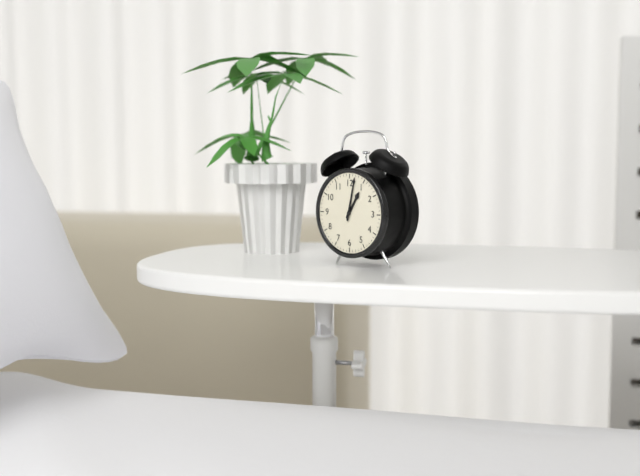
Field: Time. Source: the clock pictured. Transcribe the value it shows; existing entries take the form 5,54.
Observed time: 1,02
